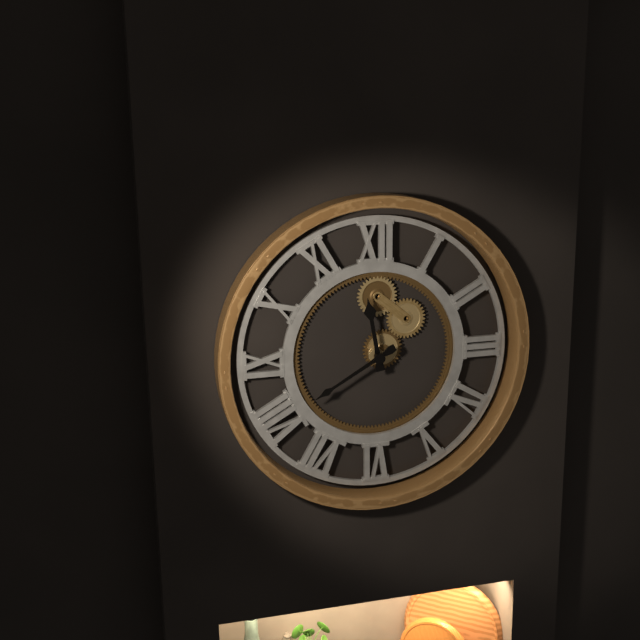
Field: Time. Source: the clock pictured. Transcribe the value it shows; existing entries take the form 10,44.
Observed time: 11,40
